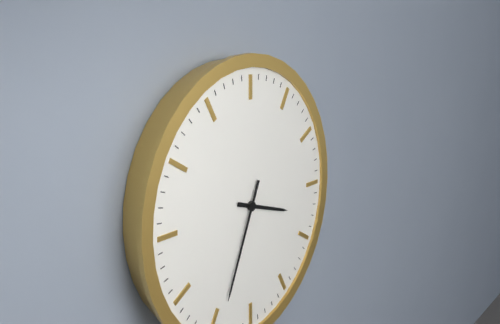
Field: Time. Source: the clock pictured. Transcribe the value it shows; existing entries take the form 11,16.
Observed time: 3,34
